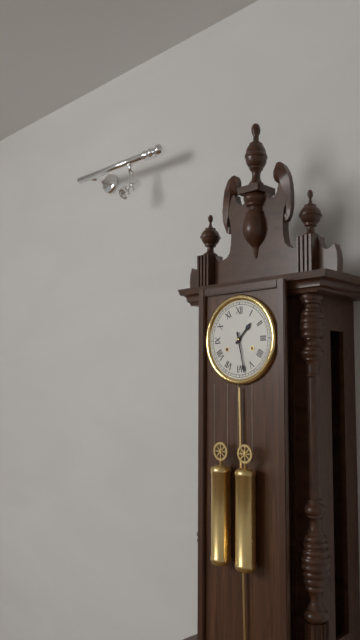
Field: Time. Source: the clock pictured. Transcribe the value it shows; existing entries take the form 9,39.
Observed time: 1,28
